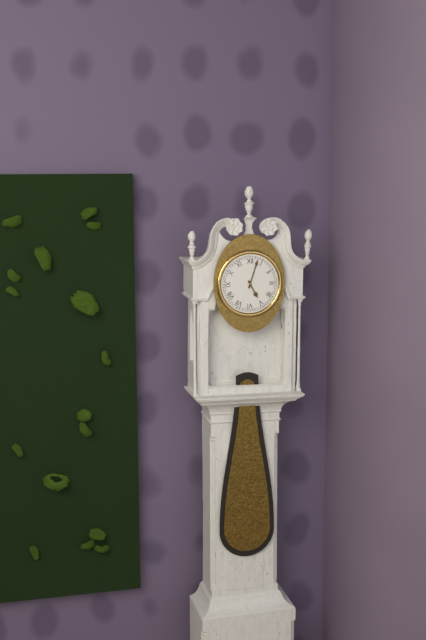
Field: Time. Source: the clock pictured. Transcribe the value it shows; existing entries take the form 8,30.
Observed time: 5,03
